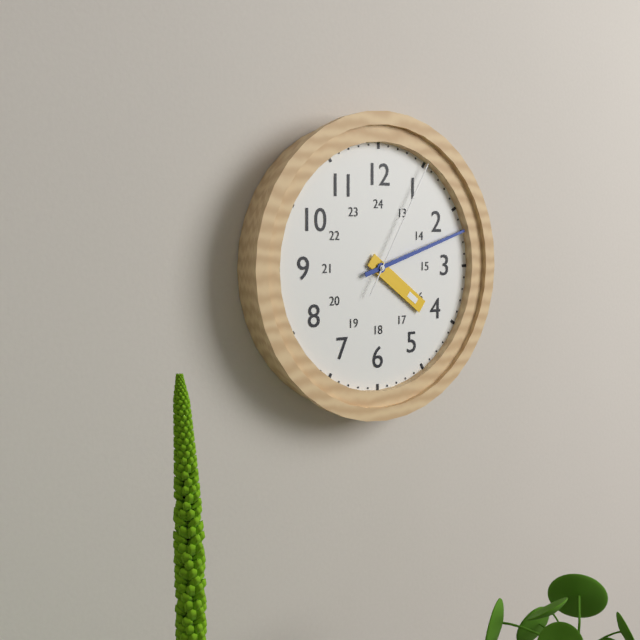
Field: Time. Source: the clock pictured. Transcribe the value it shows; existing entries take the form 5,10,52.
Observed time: 4,12,05
